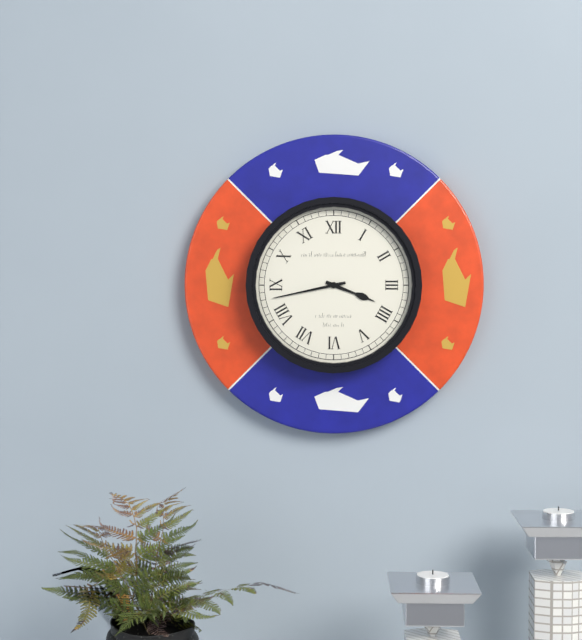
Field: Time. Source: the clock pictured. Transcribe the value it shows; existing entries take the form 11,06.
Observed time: 3,43
